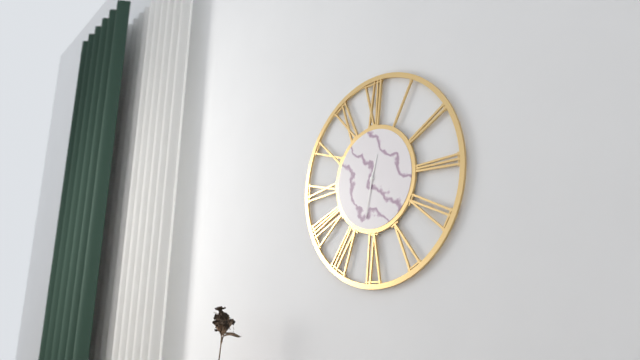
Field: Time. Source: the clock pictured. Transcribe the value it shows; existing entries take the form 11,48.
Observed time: 12,32
